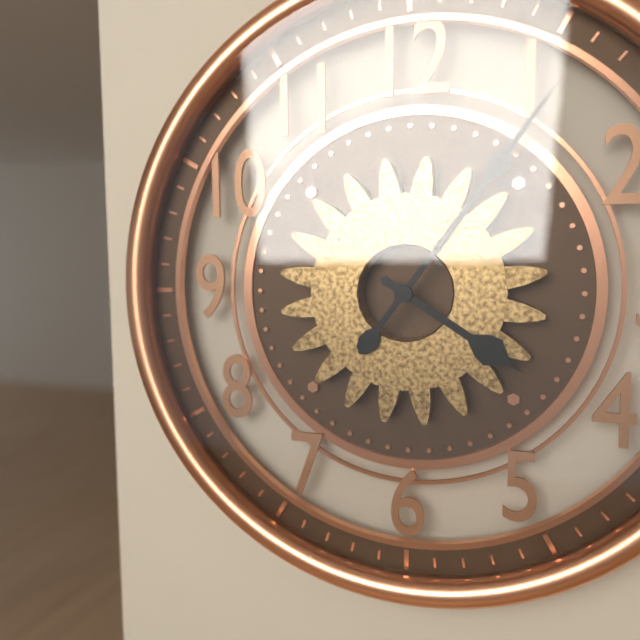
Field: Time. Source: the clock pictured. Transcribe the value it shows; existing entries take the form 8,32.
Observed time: 4,06
